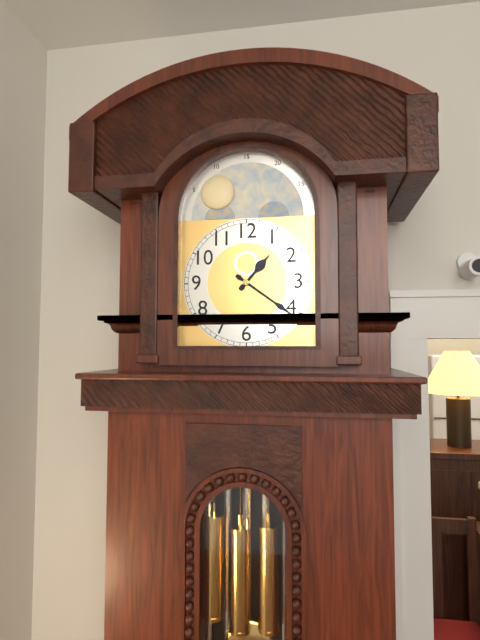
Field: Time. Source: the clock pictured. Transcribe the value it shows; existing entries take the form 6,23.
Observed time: 1,21
